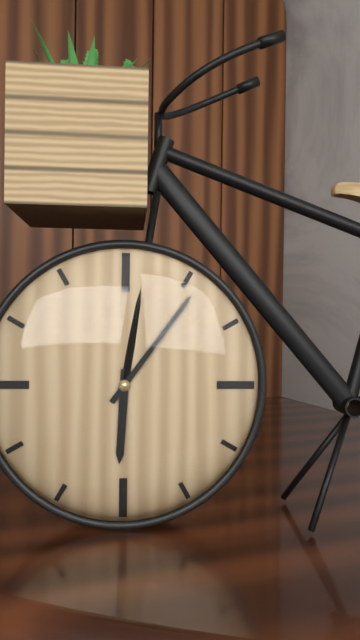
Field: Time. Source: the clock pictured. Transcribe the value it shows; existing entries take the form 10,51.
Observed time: 6,06
